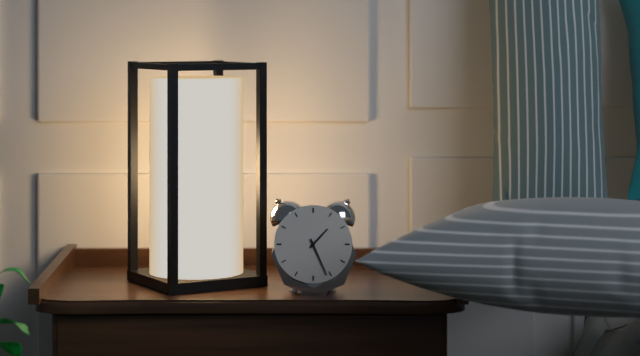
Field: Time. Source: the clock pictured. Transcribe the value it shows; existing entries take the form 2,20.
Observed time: 1,26
